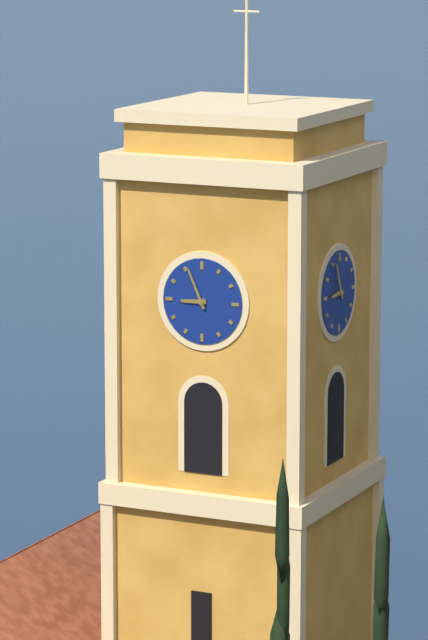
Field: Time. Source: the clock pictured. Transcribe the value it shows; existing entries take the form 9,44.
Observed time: 8,56
